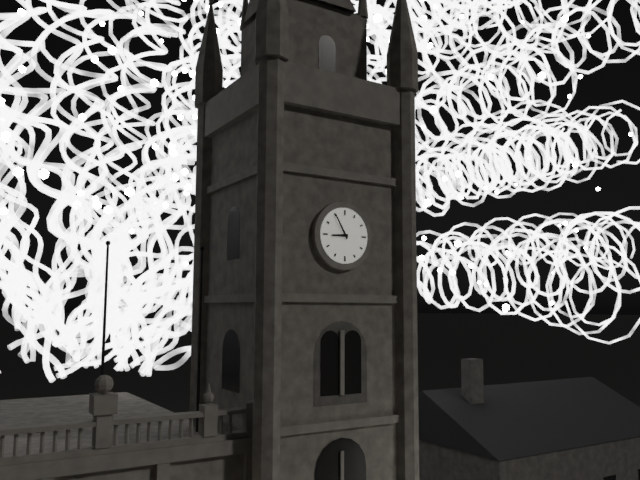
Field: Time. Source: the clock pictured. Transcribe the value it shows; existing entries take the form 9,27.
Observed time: 8,55
